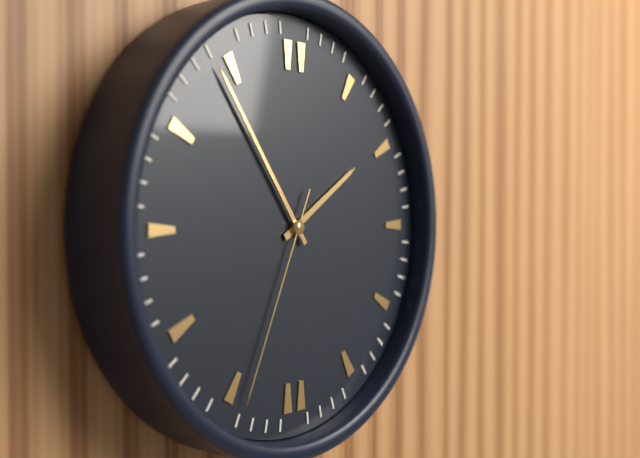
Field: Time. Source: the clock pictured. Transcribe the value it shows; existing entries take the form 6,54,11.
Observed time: 1,54,34
